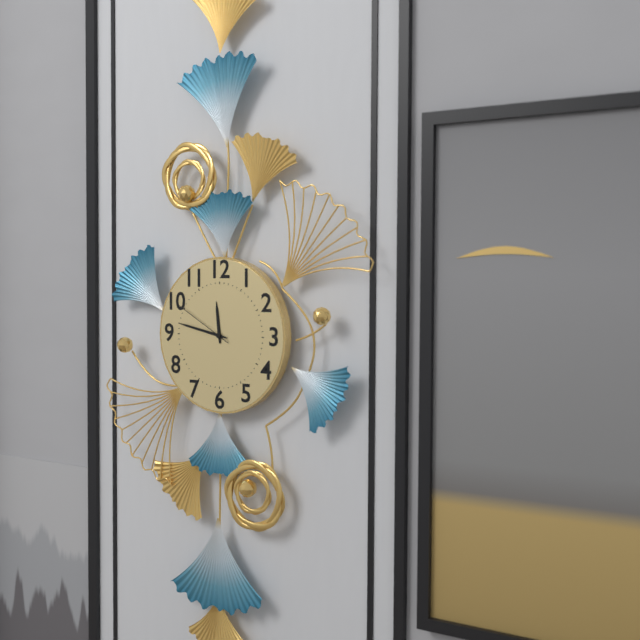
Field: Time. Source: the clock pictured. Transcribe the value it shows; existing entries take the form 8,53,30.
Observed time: 11,47,50
